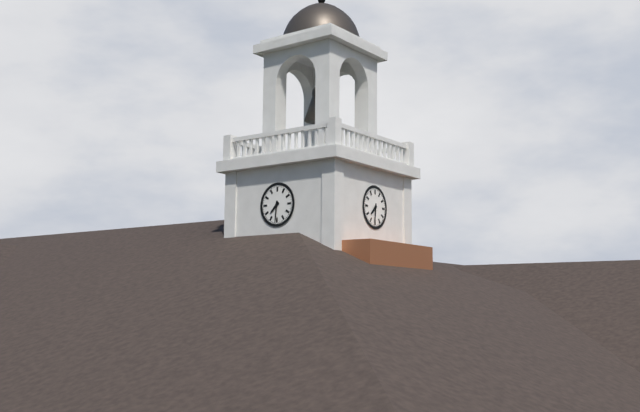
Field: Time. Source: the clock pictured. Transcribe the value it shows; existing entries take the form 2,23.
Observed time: 7,31
